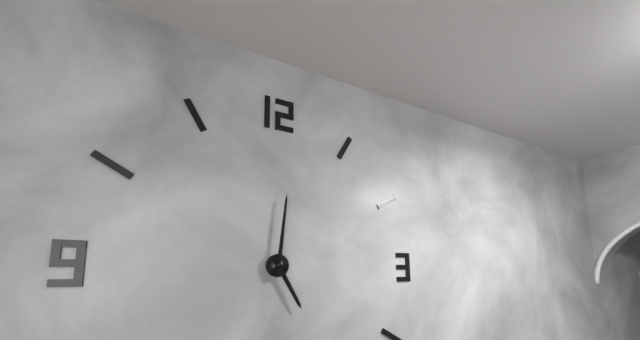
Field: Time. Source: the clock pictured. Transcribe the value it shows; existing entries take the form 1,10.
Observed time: 5,01
